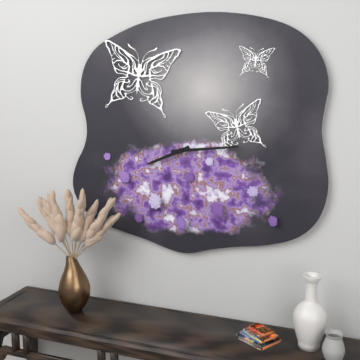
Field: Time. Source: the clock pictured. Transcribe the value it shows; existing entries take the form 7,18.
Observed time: 8,14
